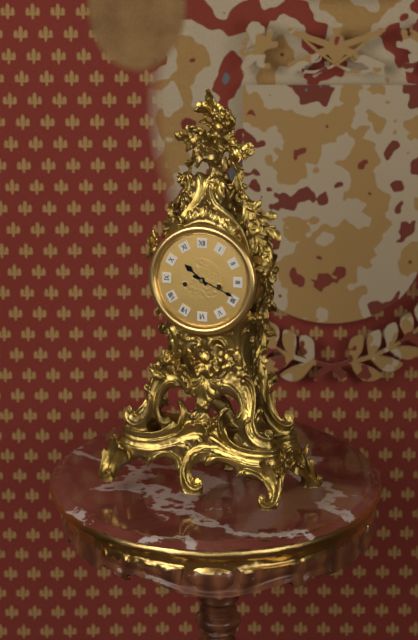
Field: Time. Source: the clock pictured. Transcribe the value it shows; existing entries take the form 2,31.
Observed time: 10,19
